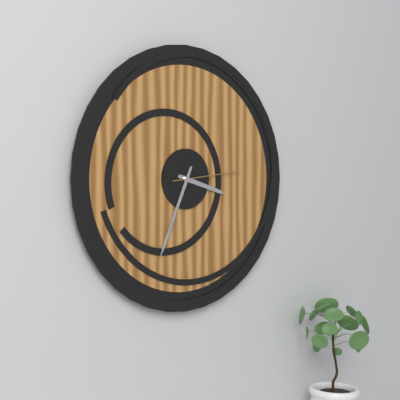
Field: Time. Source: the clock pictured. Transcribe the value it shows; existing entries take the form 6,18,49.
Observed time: 3,34,14
